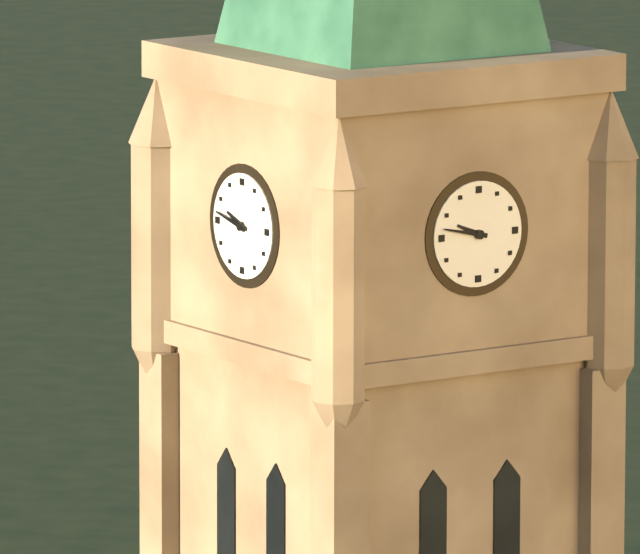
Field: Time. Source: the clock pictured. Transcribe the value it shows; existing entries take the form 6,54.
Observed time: 9,47
